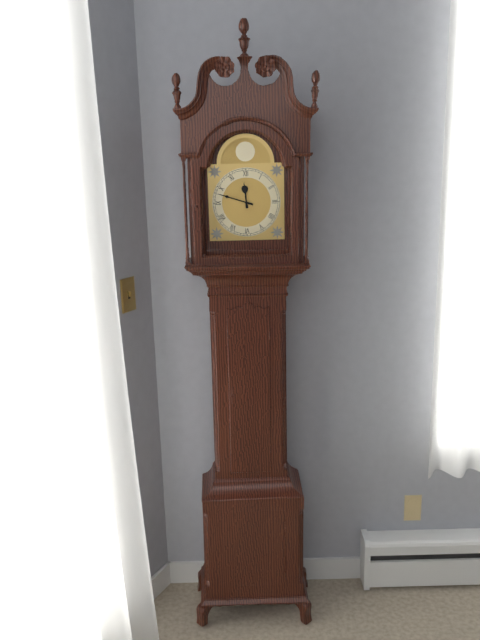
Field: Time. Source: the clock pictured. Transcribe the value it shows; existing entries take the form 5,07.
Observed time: 11,48
